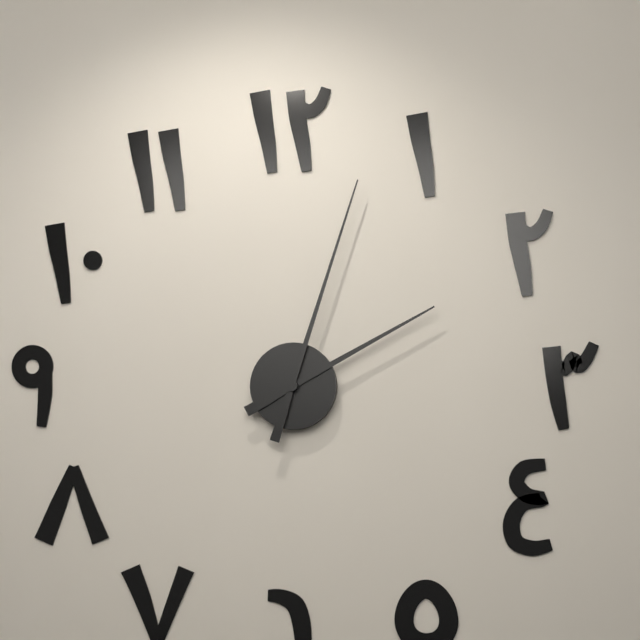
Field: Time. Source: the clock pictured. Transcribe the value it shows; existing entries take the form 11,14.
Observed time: 2,03
